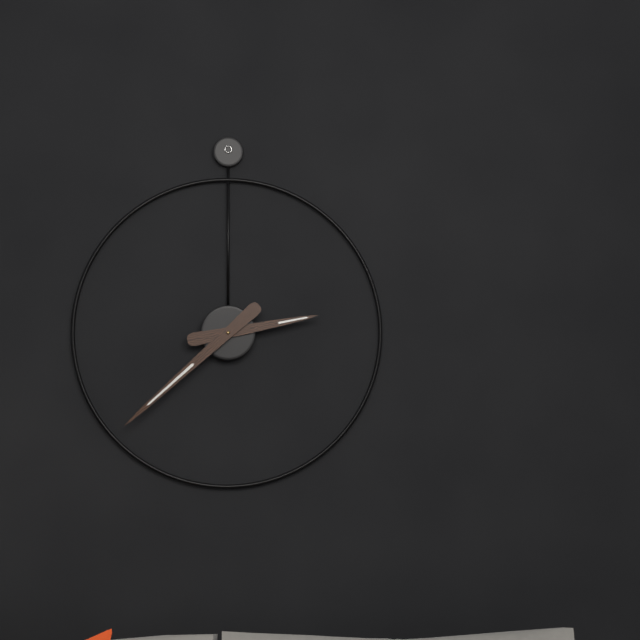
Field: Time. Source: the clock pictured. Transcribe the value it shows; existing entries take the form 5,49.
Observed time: 2,38
